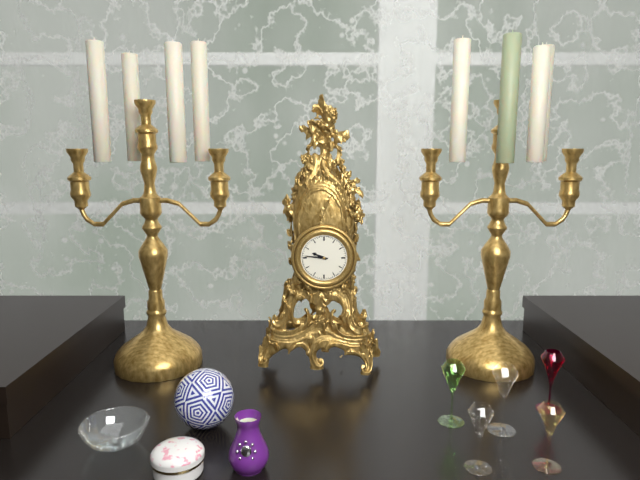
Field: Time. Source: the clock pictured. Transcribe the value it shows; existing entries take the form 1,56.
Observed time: 9,46
